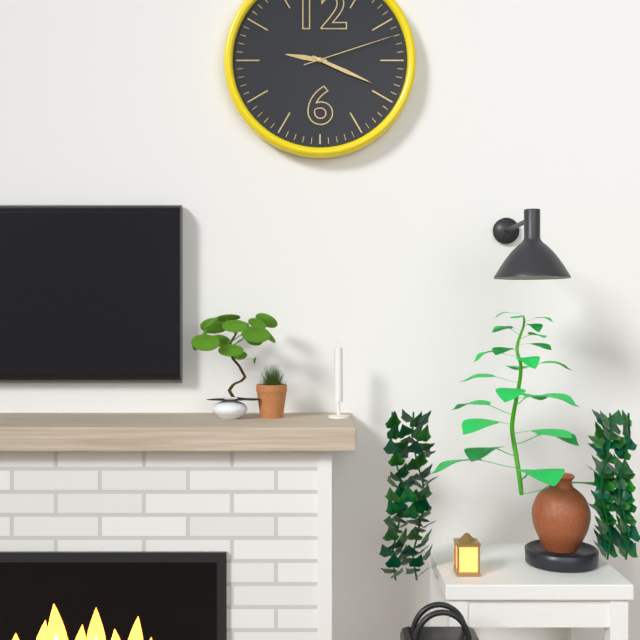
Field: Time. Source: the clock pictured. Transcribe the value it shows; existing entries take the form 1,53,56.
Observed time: 9,19,12
